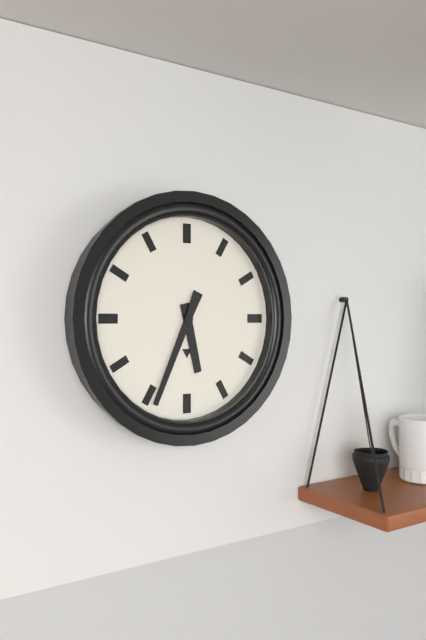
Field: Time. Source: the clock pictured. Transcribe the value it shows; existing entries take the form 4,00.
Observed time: 5,34
